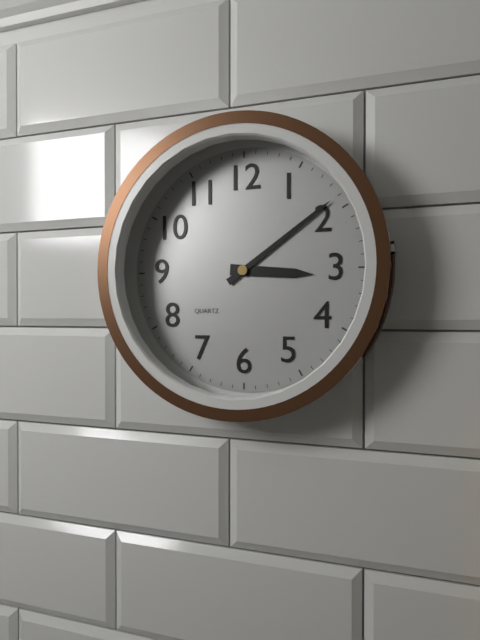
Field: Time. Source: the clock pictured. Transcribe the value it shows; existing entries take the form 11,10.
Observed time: 3,09
